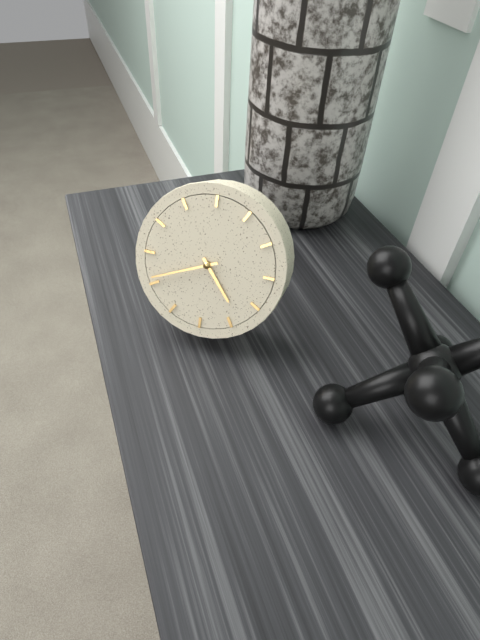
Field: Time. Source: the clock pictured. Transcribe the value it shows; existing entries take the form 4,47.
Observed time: 4,41
